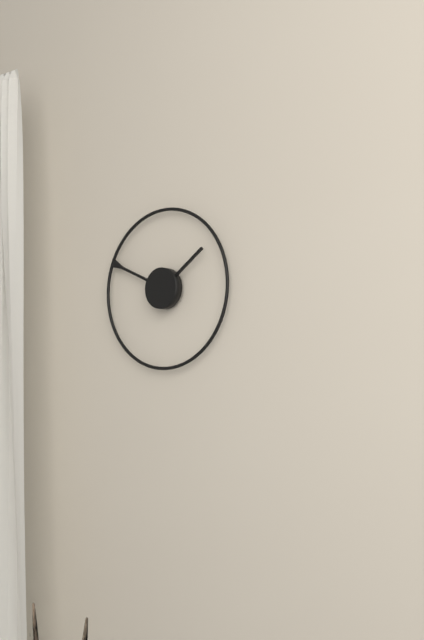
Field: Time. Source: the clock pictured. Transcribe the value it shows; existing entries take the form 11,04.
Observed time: 1,49
